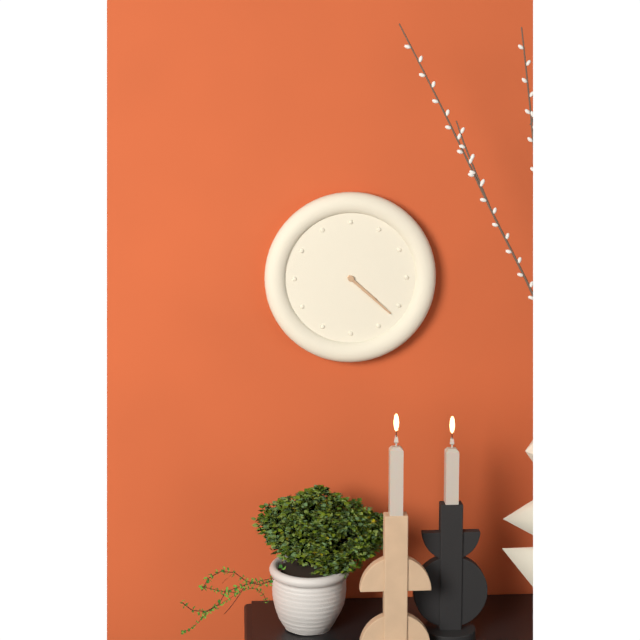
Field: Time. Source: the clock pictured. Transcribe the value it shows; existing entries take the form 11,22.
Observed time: 4,22
